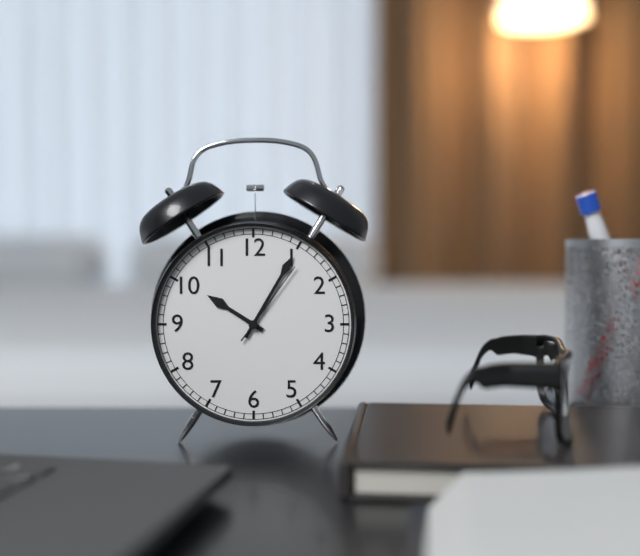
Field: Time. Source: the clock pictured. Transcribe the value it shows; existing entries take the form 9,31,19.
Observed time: 10,05,06
